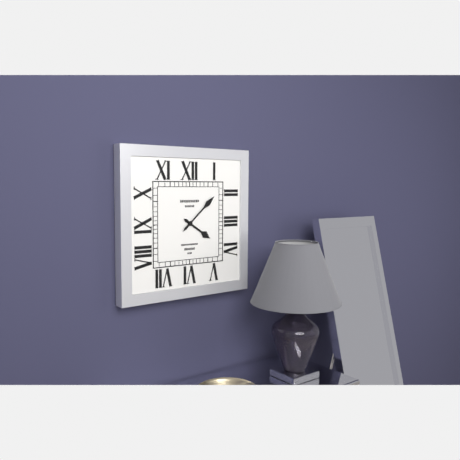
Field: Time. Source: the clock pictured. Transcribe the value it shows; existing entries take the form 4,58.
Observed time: 4,08
